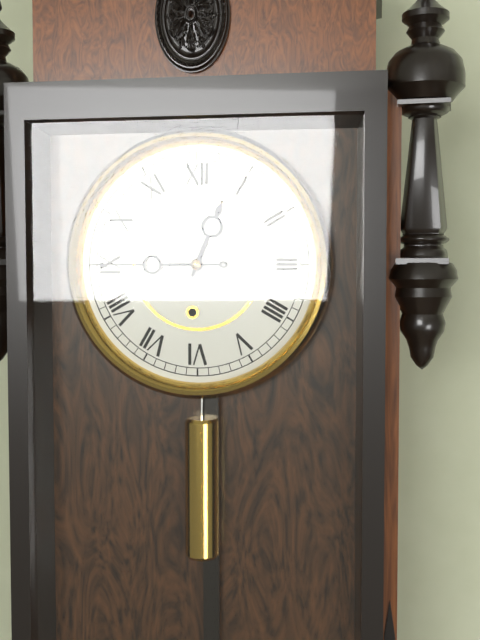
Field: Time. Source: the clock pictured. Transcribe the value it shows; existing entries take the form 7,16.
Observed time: 12,45
